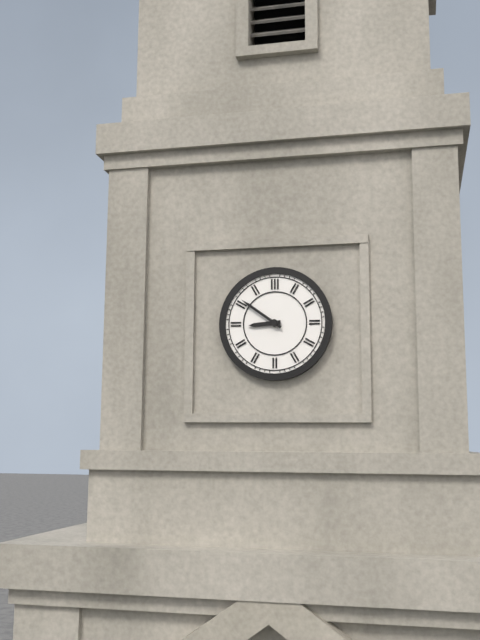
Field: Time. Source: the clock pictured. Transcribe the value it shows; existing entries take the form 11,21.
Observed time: 8,51
